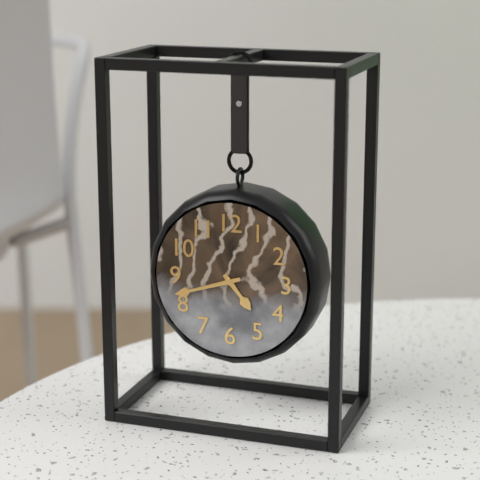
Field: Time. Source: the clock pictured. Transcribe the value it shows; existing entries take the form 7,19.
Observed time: 4,42
